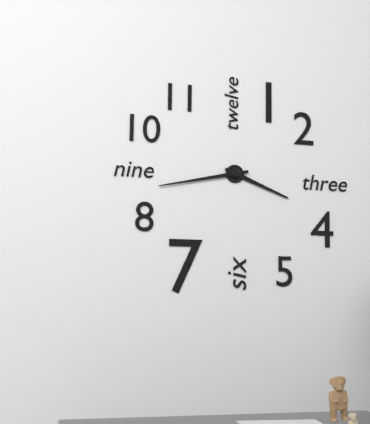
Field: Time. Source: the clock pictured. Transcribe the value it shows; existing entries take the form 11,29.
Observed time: 3,43
